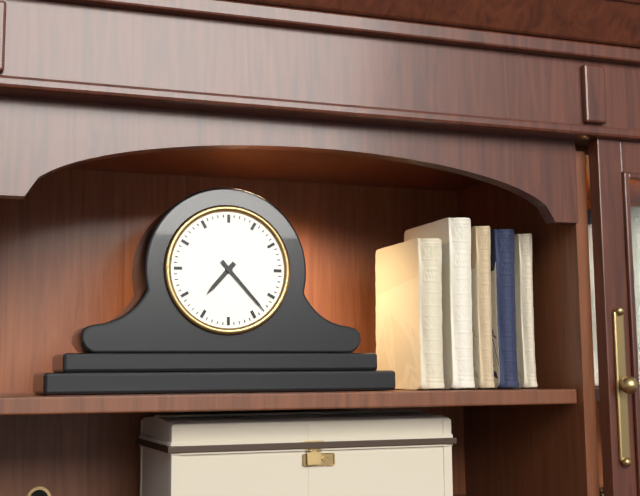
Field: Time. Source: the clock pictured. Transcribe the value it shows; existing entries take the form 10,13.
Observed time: 7,23
